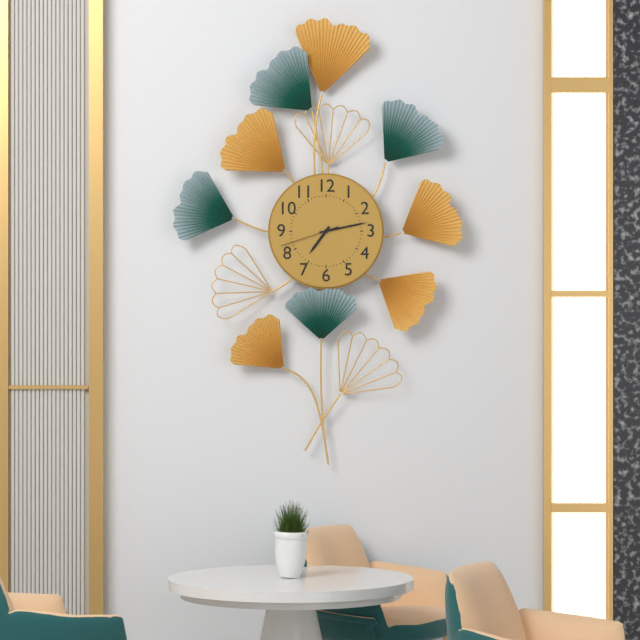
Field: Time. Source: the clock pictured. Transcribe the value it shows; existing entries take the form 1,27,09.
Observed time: 7,13,42
